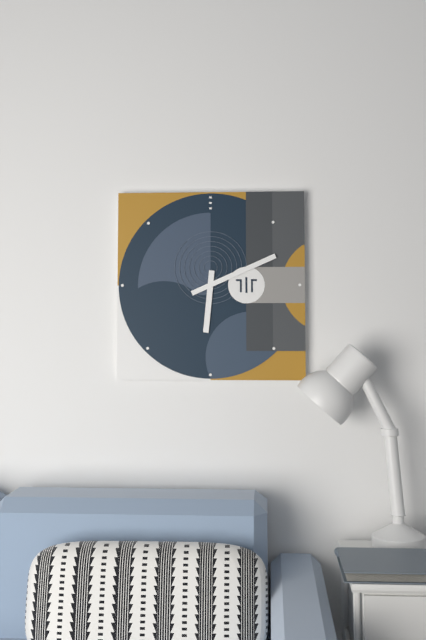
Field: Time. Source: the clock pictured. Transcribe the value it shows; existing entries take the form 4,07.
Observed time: 6,11
